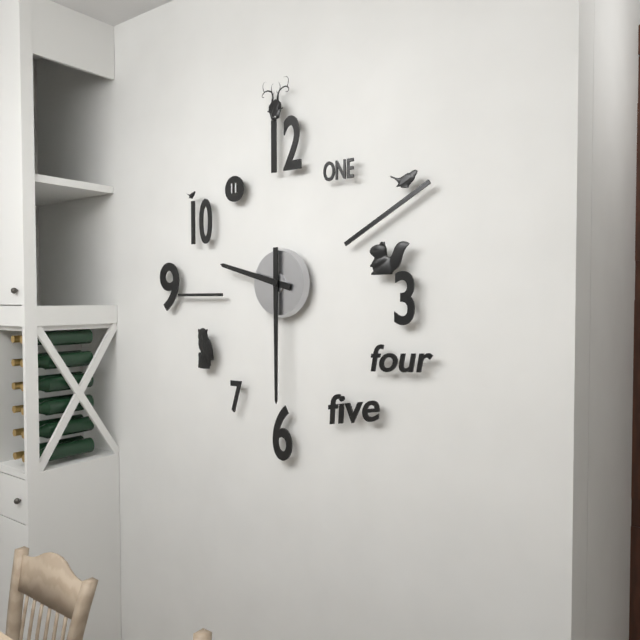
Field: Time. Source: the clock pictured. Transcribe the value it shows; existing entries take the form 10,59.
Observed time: 9,30
